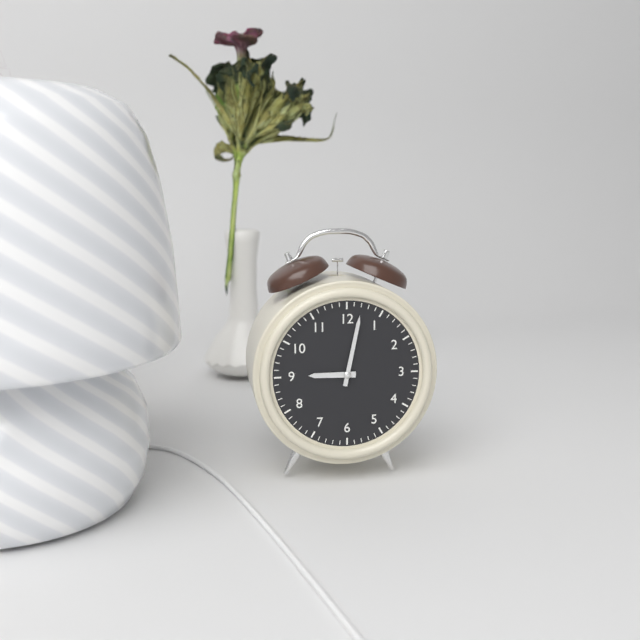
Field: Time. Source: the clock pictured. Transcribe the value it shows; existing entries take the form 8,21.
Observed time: 9,02
